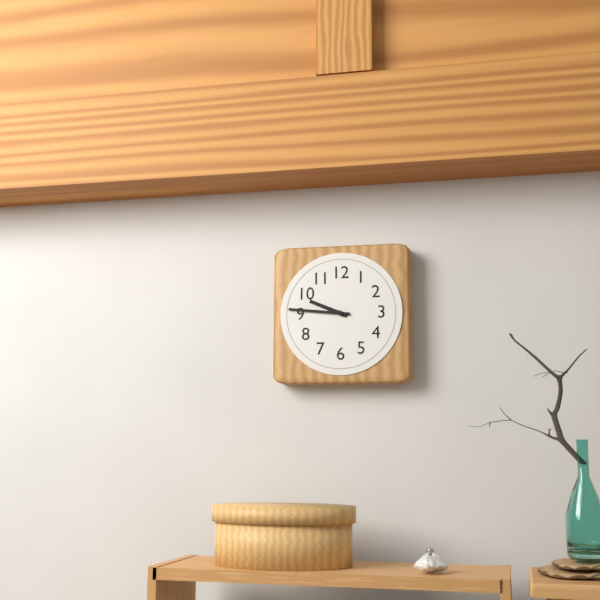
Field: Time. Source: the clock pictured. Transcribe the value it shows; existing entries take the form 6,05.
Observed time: 9,46
